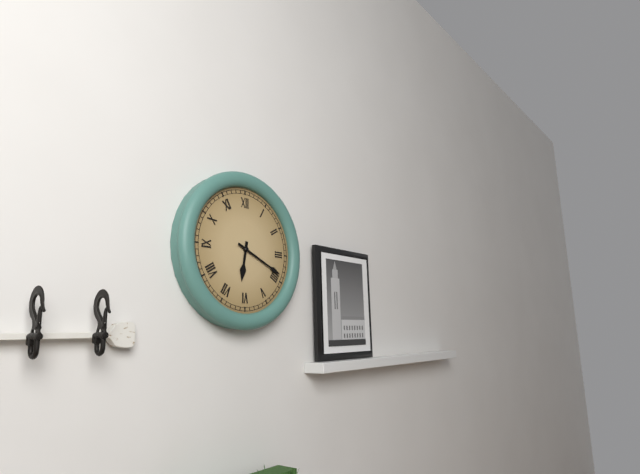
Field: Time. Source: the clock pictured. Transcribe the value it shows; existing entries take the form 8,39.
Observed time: 6,19
